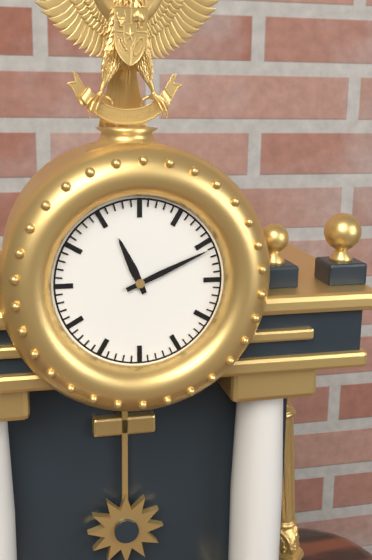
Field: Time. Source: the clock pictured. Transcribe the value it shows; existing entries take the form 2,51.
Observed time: 11,11
